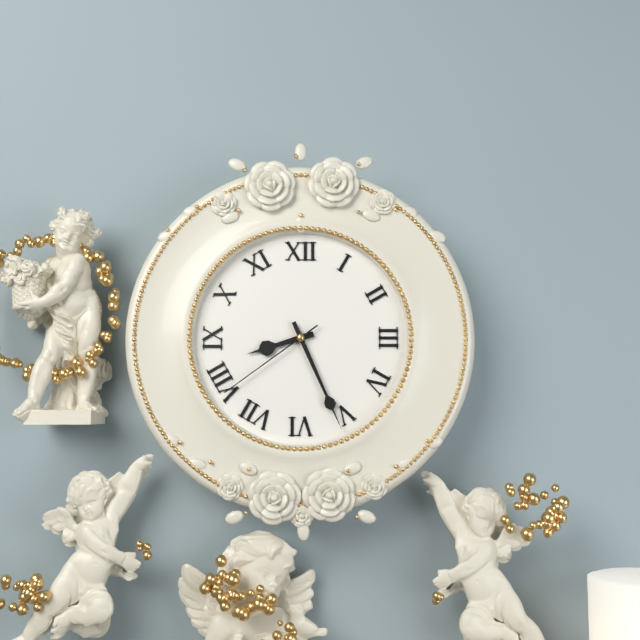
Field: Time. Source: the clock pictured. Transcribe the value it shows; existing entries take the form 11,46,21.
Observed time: 8,26,39
